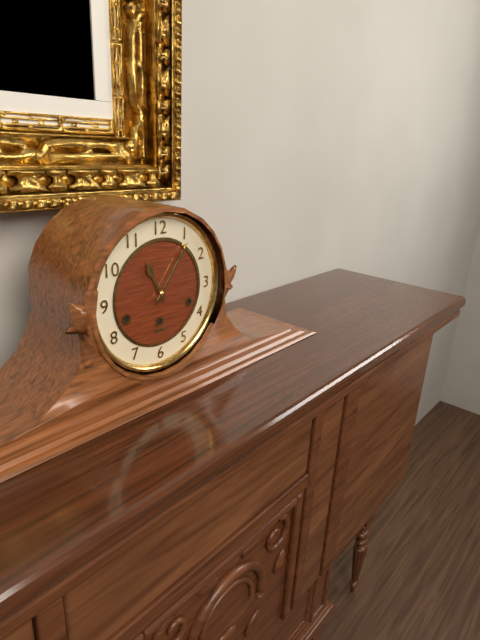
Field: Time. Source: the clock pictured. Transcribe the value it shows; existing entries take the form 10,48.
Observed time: 11,06
